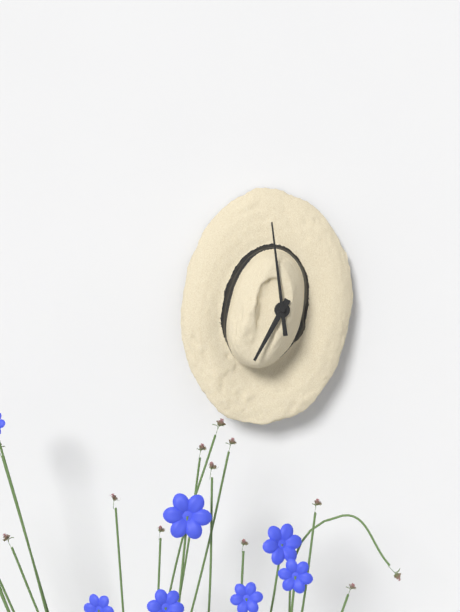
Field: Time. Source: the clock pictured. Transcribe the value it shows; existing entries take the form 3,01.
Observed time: 6,59
